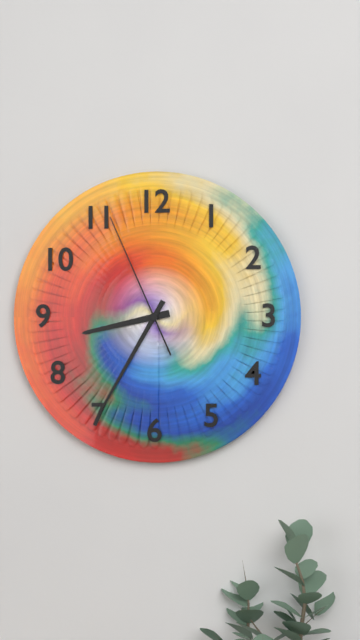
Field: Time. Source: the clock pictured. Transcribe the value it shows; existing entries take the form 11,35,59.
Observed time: 8,35,56
